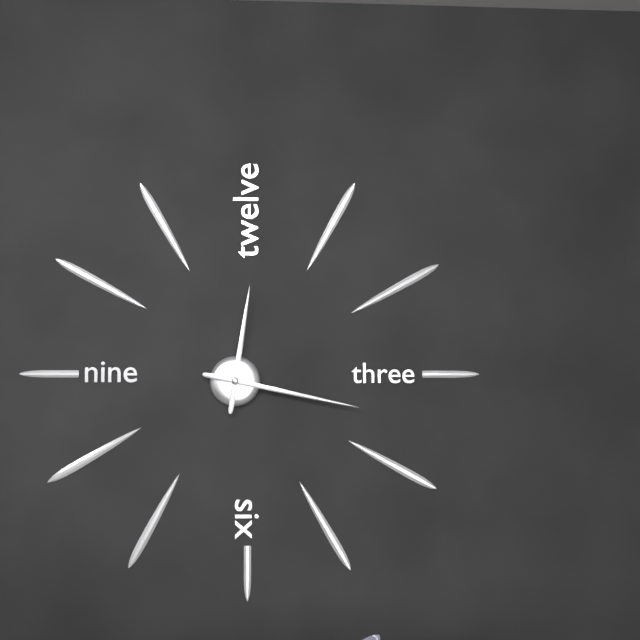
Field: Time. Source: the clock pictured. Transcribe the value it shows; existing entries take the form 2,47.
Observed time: 12,17
